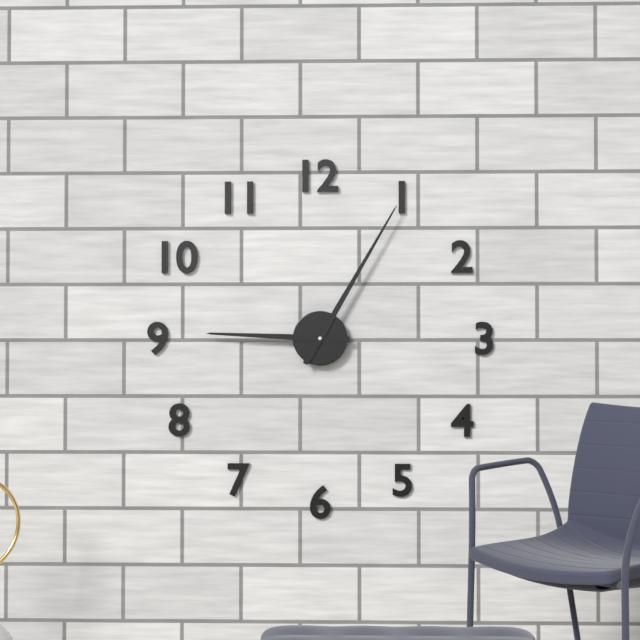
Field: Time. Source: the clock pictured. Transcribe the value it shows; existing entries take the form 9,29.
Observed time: 9,05
